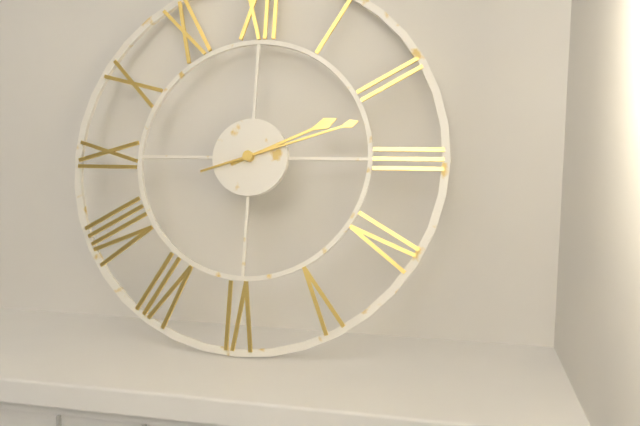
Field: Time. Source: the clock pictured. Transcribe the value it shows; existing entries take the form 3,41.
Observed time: 2,12
